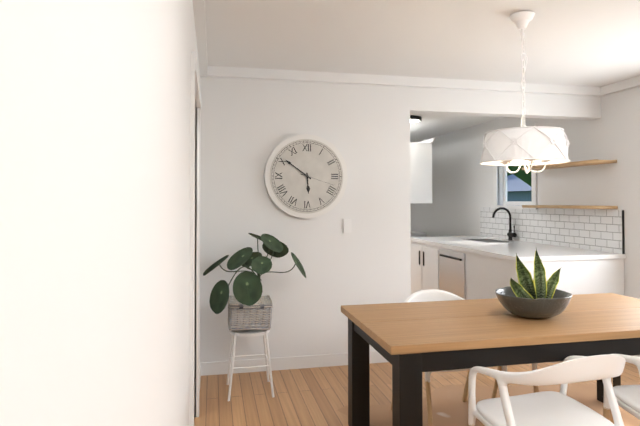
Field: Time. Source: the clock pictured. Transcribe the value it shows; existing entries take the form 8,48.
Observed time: 5,51
